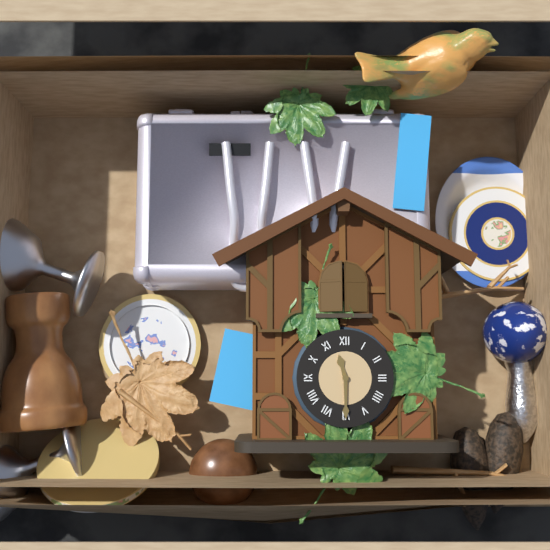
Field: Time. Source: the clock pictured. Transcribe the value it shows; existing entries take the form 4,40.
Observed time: 11,30
